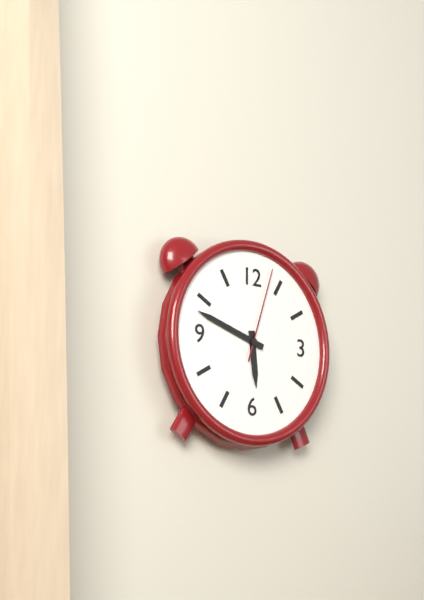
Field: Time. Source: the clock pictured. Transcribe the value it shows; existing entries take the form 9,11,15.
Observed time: 5,48,03
